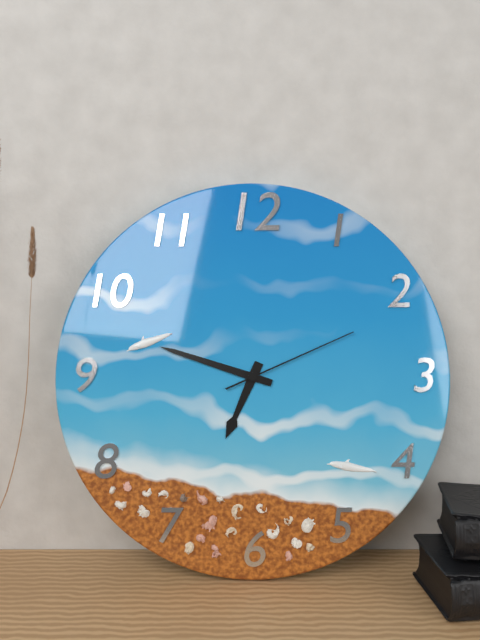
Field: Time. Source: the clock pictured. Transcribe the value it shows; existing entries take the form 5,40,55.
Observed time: 6,48,11
